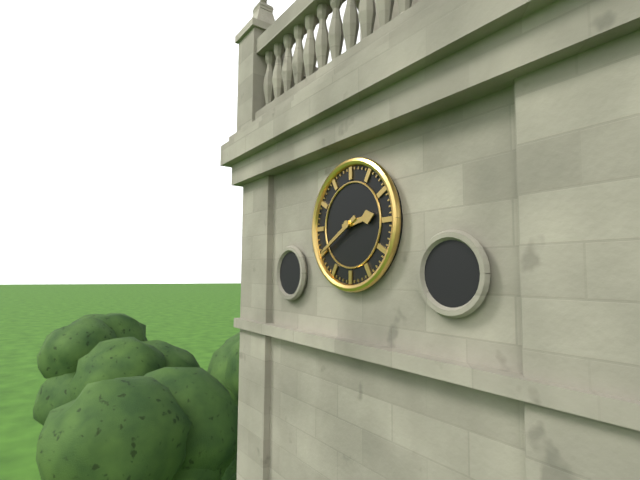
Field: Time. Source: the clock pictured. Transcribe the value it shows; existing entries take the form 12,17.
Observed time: 2,40
